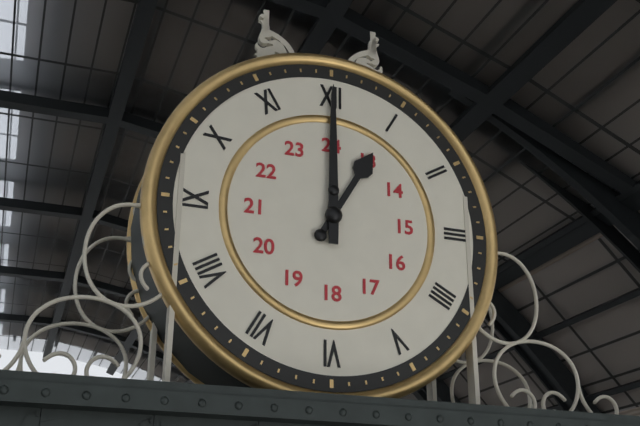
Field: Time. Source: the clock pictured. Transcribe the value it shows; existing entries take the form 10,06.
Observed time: 1,00
